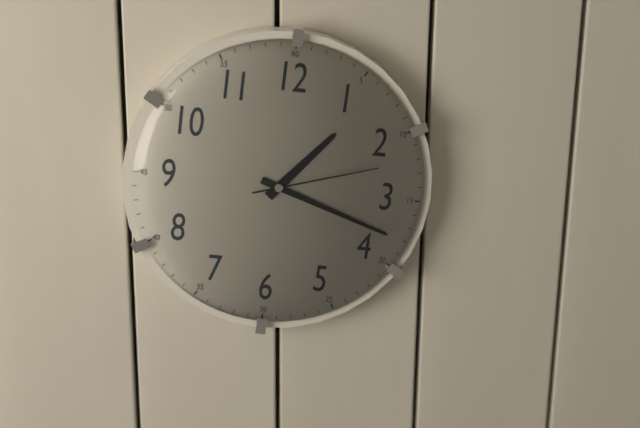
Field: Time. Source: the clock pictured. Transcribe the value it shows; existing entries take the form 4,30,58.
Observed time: 1,18,12
